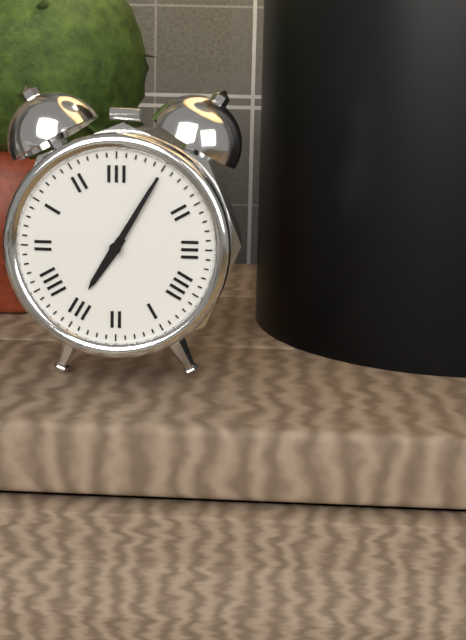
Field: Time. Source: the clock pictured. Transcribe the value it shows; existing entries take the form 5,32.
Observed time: 7,05
